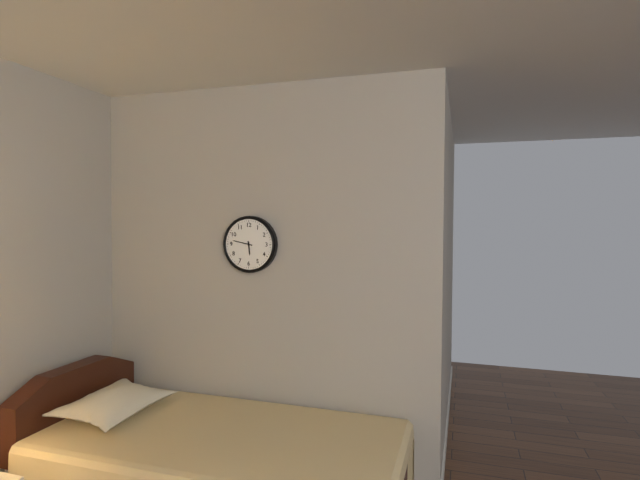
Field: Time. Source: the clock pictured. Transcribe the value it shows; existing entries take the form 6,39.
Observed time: 5,47
